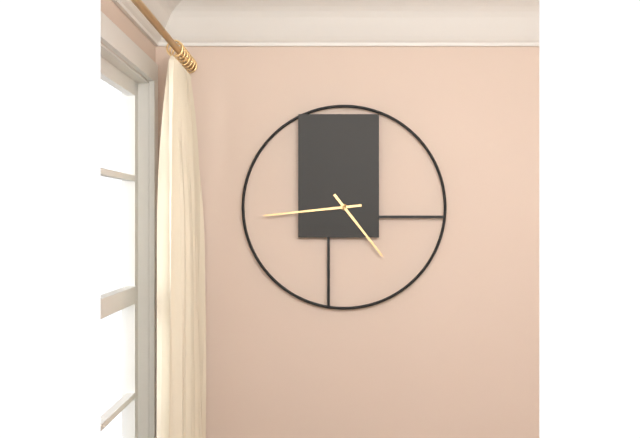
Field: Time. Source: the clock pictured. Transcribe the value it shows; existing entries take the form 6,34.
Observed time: 4,44
